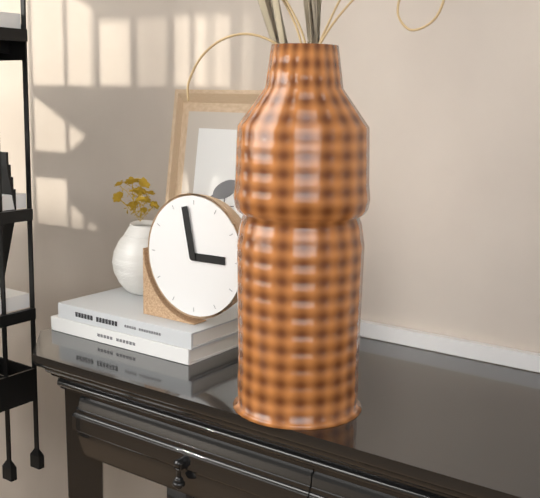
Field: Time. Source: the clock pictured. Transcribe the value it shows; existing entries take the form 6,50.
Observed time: 2,58
